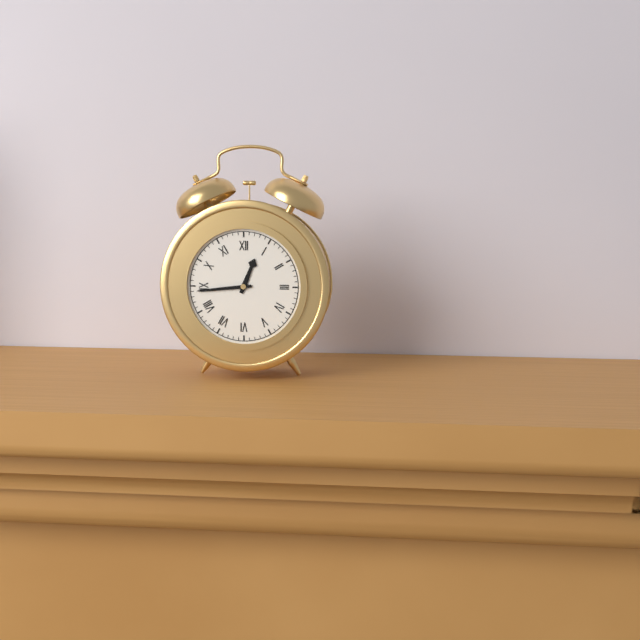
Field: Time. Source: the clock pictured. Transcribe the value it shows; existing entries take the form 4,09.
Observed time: 12,44
